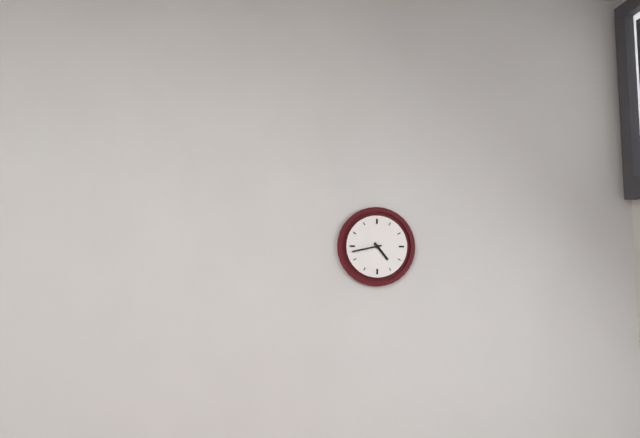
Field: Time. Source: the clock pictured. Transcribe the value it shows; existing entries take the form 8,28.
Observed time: 4,43
